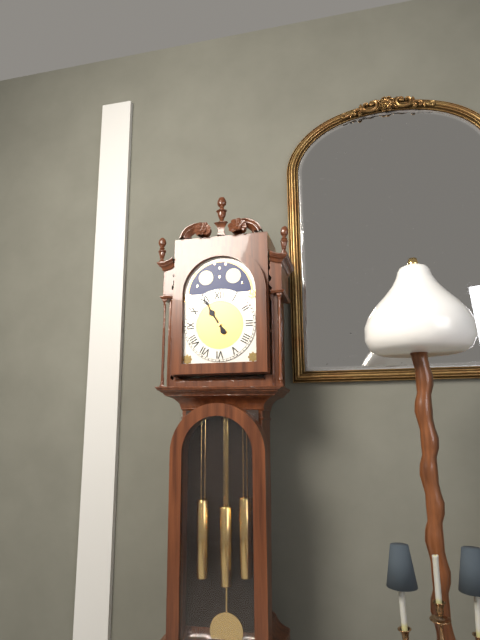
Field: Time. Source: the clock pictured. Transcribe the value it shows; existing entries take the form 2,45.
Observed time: 10,55
